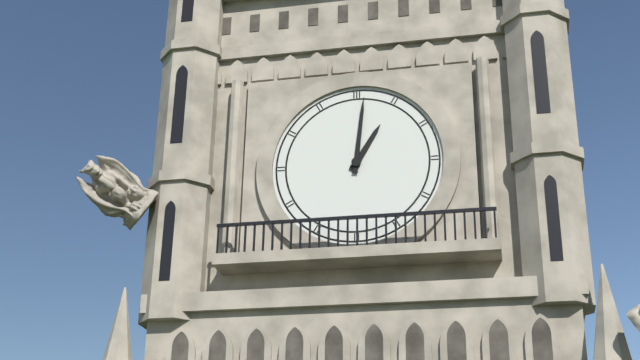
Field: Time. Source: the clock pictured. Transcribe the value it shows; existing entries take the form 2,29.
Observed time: 1,01
